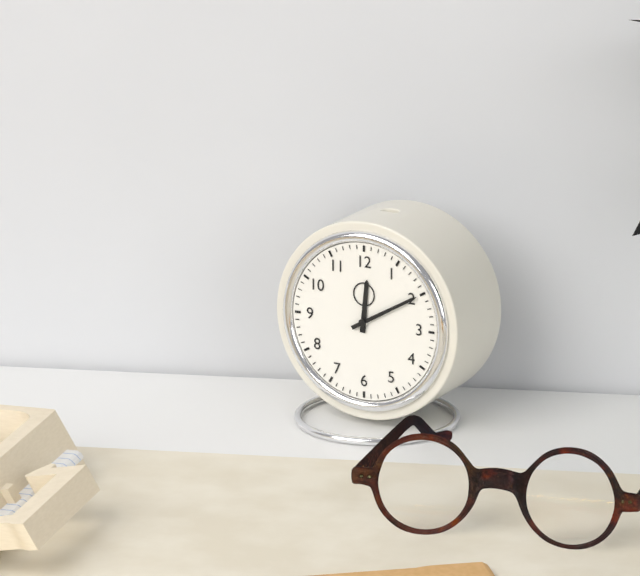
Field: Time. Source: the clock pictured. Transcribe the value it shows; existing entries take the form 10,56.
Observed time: 12,10
